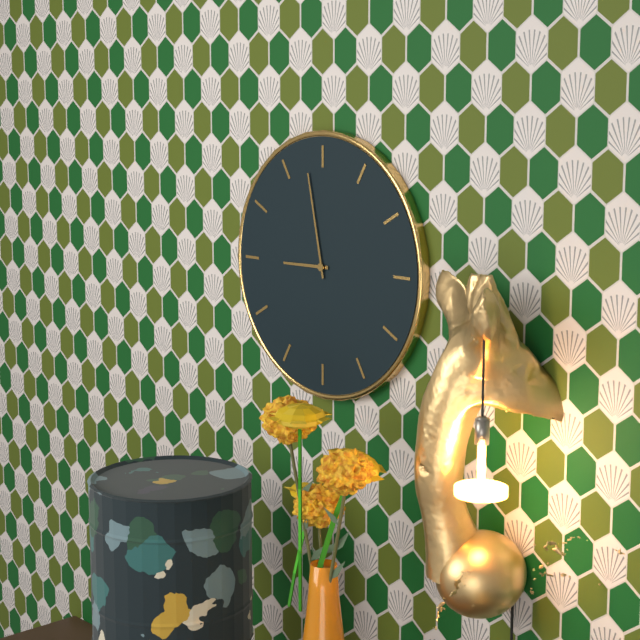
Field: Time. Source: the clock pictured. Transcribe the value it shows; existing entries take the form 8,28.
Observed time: 8,58
